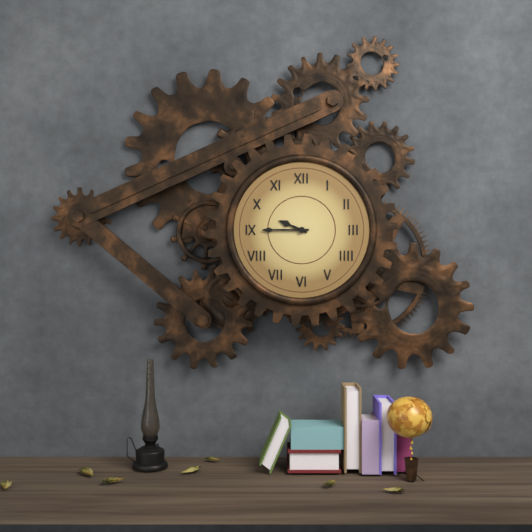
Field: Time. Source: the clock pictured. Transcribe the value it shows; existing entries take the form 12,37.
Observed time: 9,45
